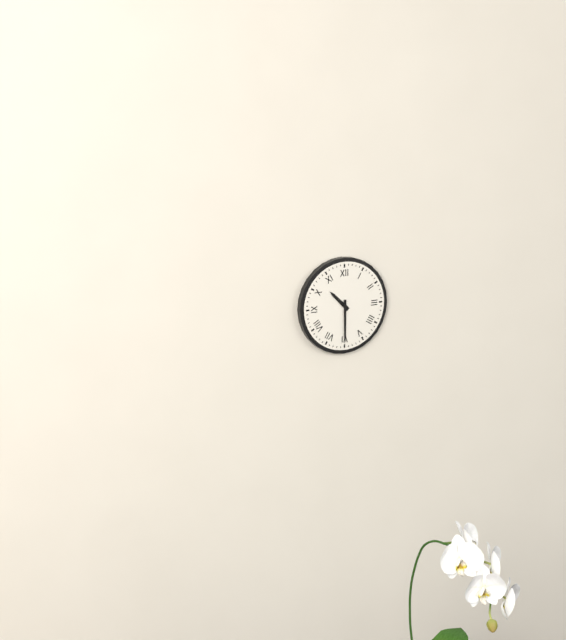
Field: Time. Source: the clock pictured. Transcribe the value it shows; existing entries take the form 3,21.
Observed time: 10,30
